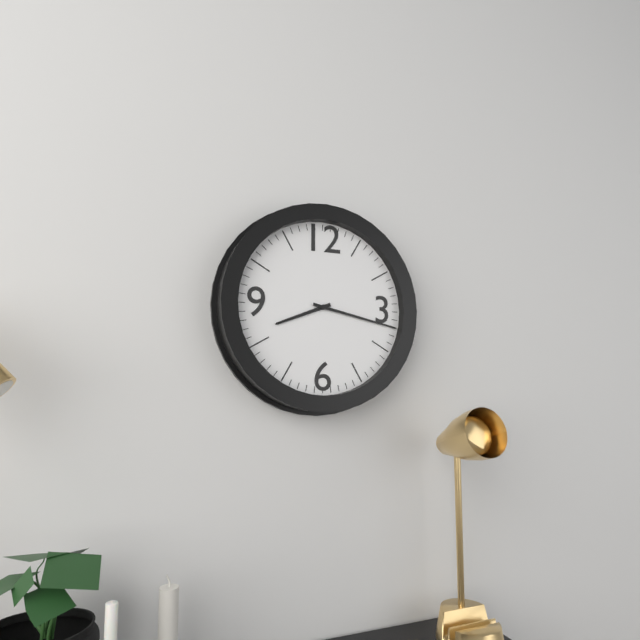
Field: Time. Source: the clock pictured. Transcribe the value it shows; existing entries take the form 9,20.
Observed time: 8,17
